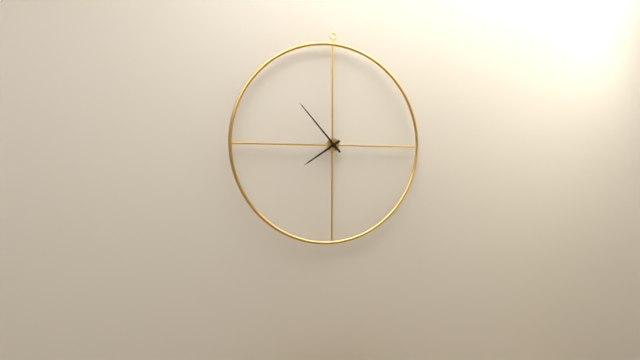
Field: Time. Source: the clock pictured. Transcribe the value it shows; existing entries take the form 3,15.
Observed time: 7,53
